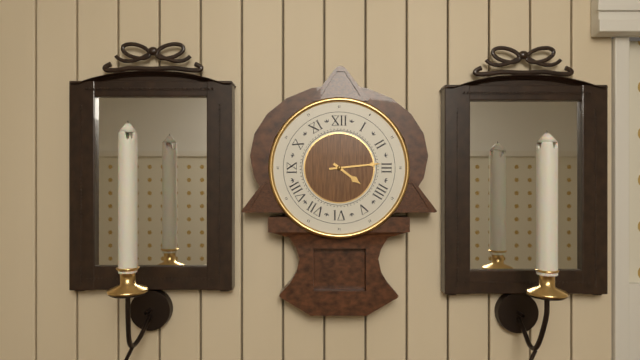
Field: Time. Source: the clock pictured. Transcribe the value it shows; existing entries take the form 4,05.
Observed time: 4,14
